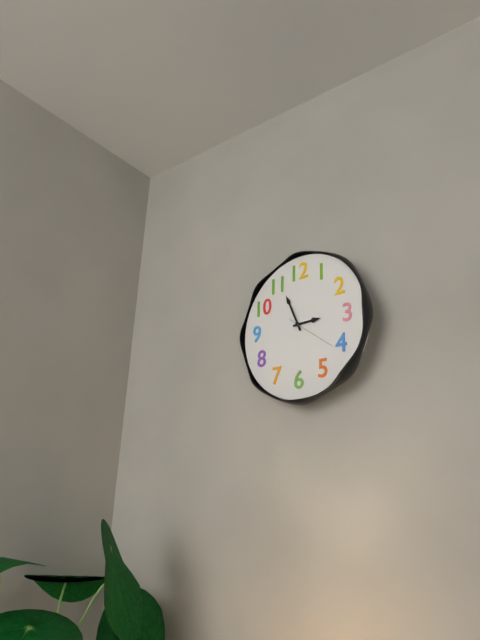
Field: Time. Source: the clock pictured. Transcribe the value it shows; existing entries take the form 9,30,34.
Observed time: 2,56,21
